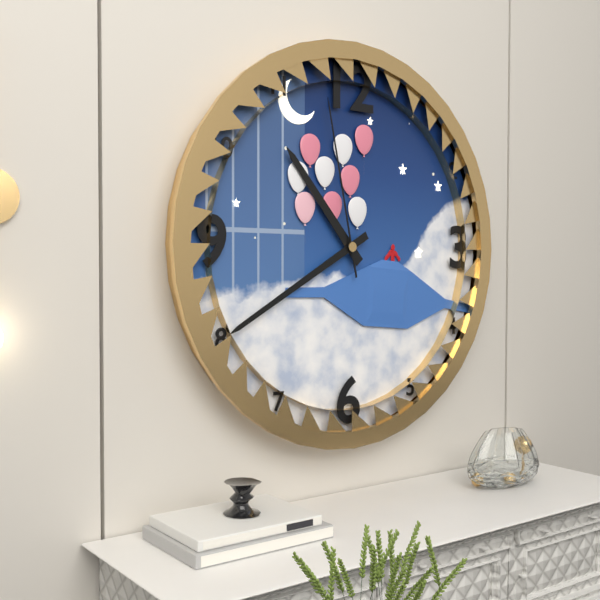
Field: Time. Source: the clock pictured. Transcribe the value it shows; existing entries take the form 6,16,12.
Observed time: 10,40,58
